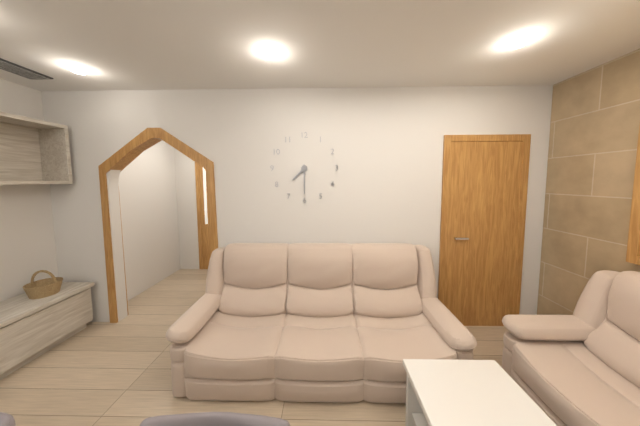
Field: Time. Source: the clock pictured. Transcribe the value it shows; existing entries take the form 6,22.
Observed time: 7,30
